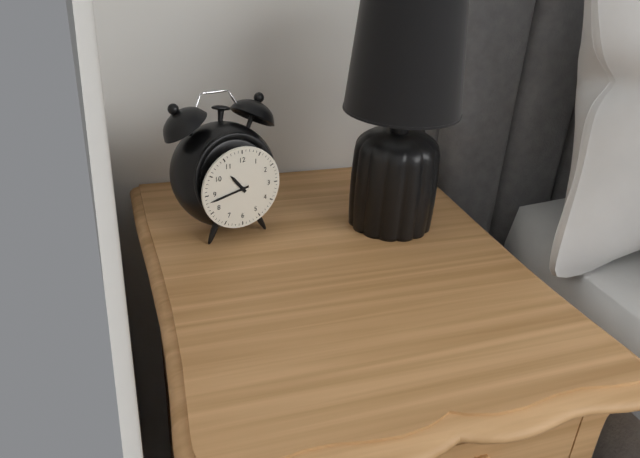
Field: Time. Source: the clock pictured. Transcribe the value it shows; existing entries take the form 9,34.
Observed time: 10,43
